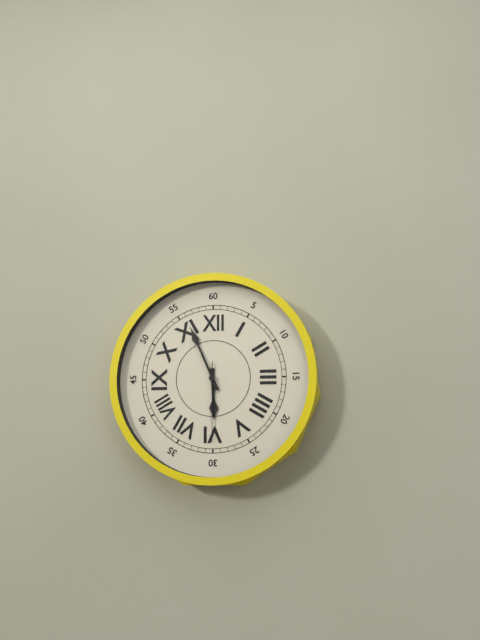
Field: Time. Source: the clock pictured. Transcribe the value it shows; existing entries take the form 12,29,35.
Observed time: 5,56,30
